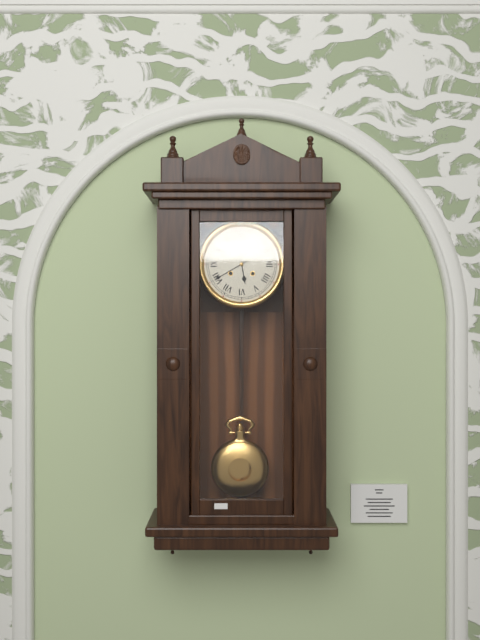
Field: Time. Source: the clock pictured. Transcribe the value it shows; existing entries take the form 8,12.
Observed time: 5,40
